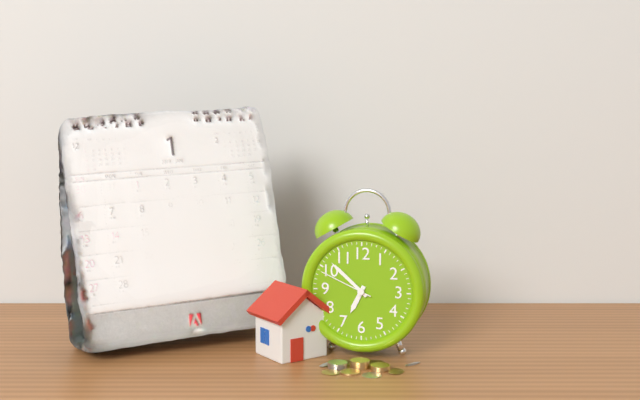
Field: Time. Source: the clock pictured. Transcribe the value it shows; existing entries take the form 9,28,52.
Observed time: 6,52,49
